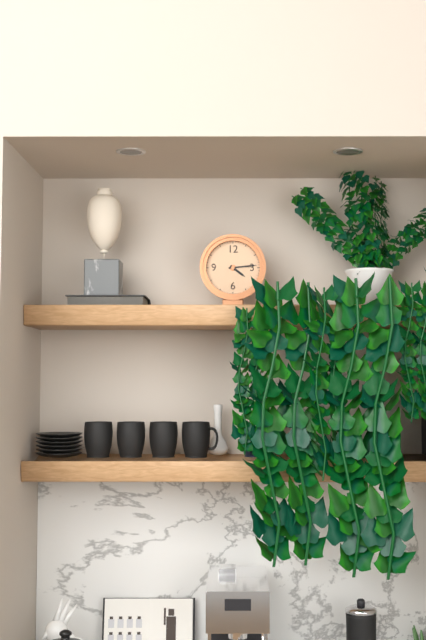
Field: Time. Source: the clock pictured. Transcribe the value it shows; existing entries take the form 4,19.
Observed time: 4,14
